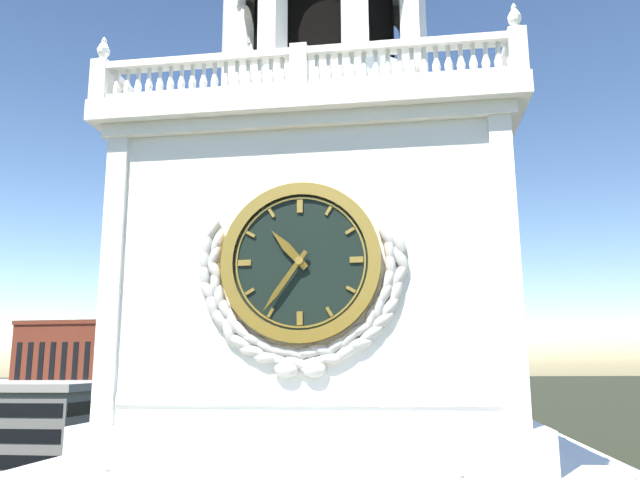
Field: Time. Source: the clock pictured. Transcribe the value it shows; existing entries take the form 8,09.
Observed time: 10,36
